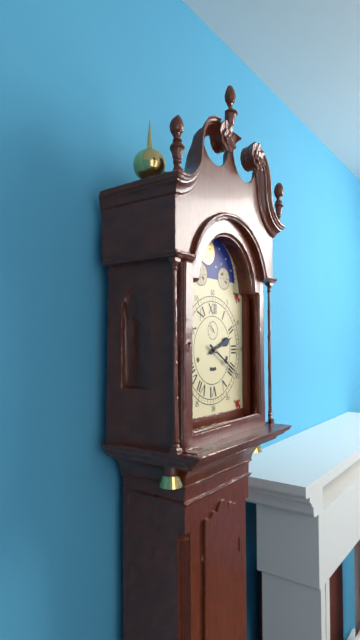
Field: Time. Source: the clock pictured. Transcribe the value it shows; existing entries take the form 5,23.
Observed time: 2,20
